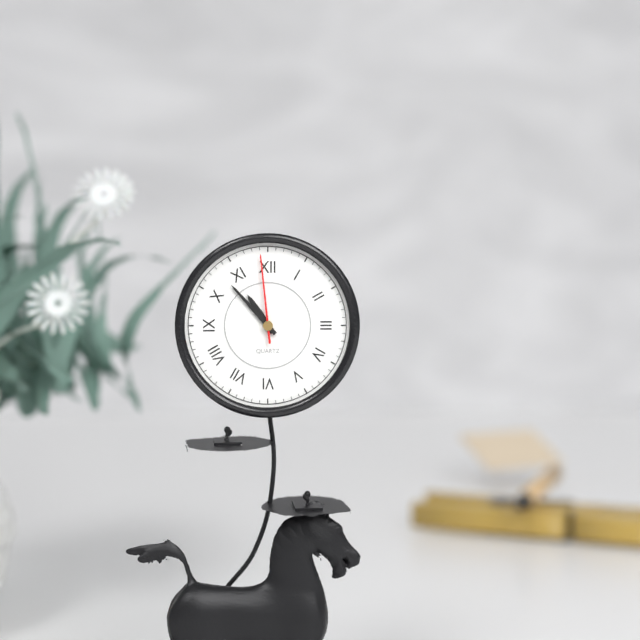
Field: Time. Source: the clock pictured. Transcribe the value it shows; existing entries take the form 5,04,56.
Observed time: 10,53,59
